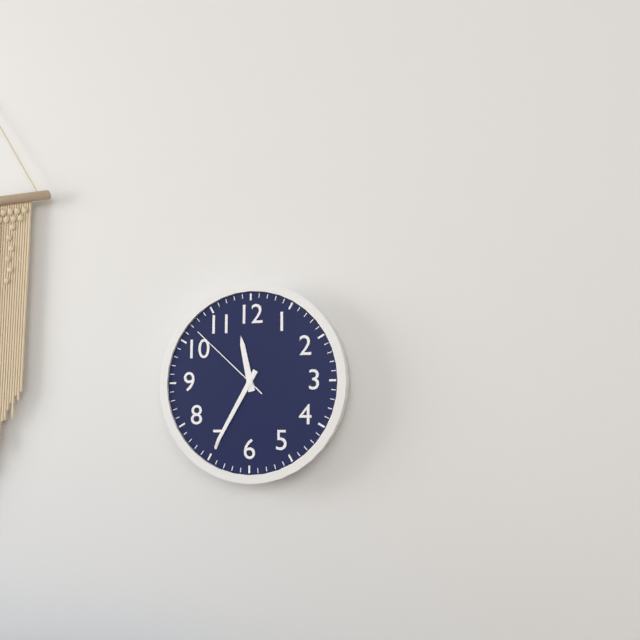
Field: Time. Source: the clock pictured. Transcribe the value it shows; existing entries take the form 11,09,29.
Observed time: 11,35,52
